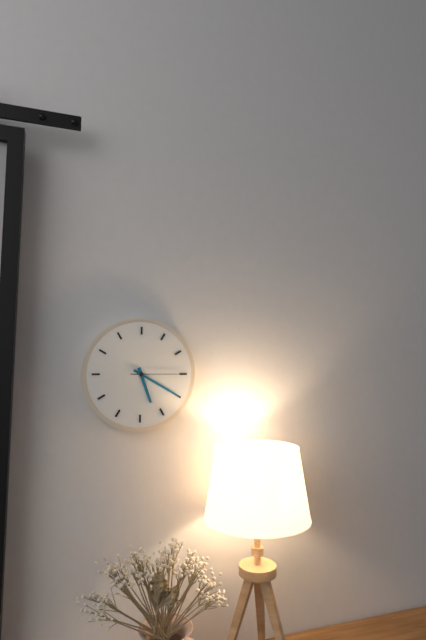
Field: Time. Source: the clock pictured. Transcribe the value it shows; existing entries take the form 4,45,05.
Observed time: 5,20,15
